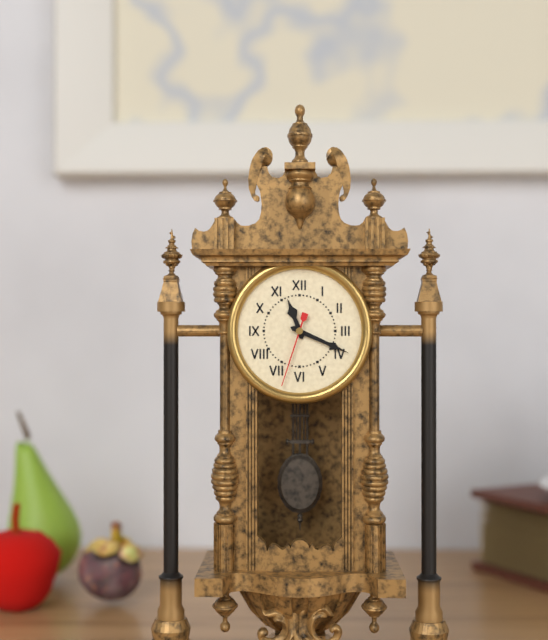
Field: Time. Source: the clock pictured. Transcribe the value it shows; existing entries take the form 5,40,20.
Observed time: 11,19,33
